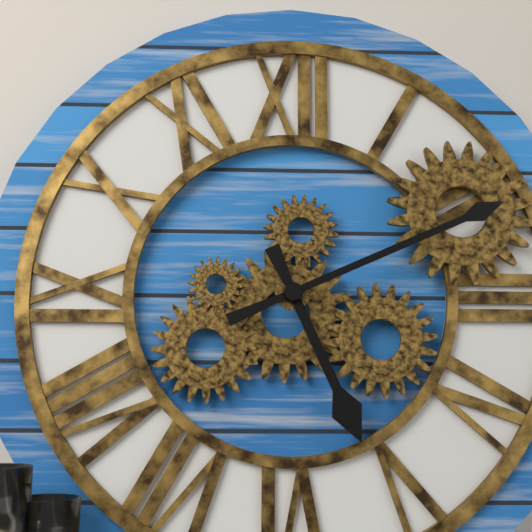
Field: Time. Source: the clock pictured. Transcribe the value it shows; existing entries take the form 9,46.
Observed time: 5,11
